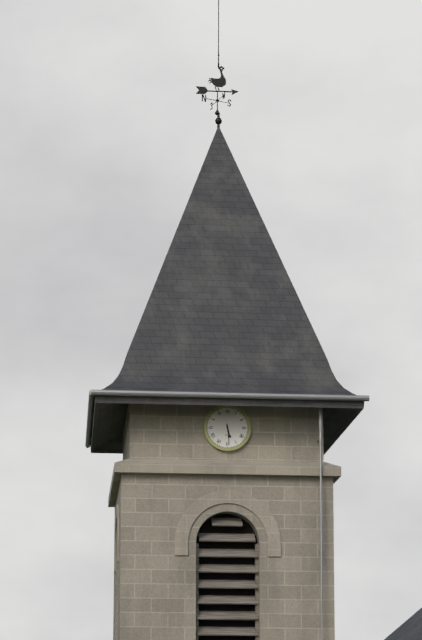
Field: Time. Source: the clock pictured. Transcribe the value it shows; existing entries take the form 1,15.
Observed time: 5,29
